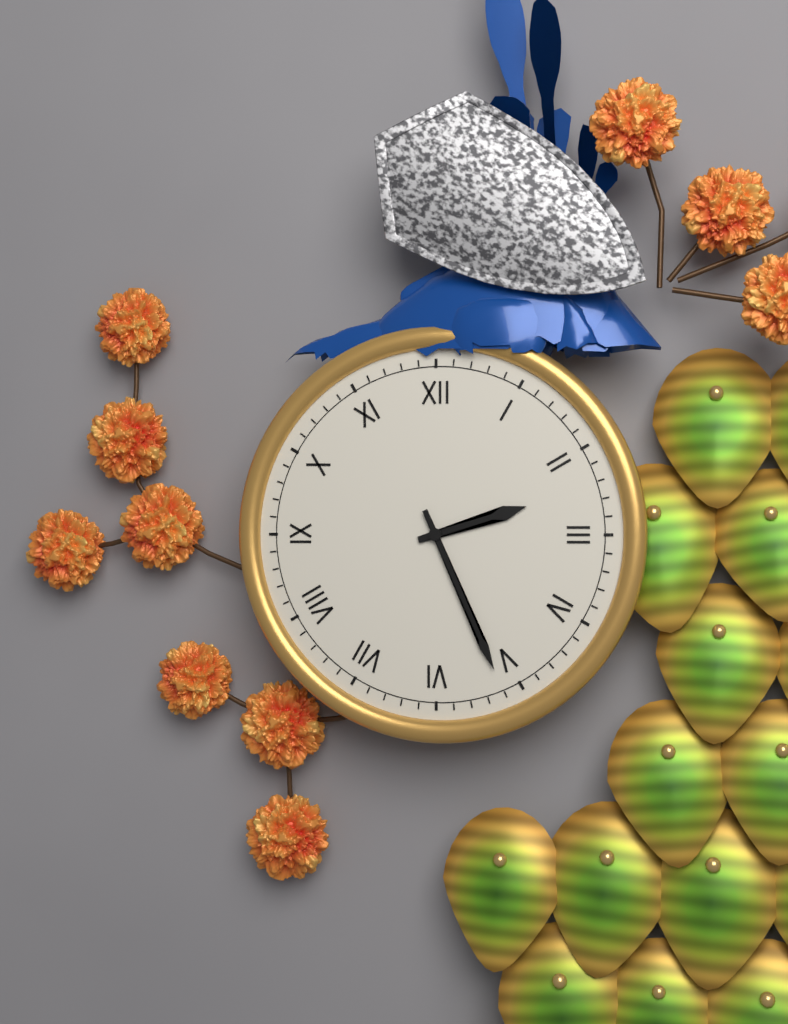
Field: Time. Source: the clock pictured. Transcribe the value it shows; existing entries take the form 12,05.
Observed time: 2,26
